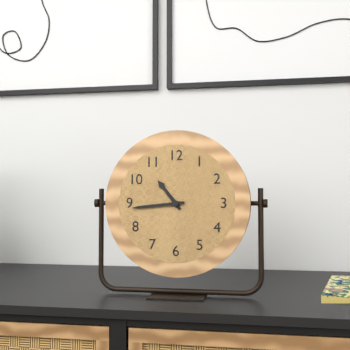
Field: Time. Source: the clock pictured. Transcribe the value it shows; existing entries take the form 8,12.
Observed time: 10,44
